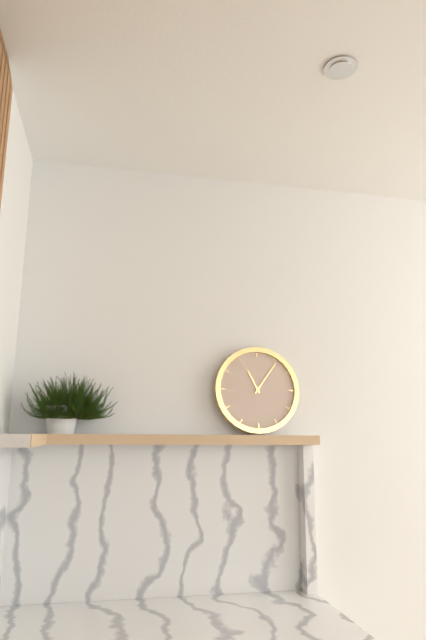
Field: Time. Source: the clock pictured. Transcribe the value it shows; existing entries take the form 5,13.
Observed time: 11,06
